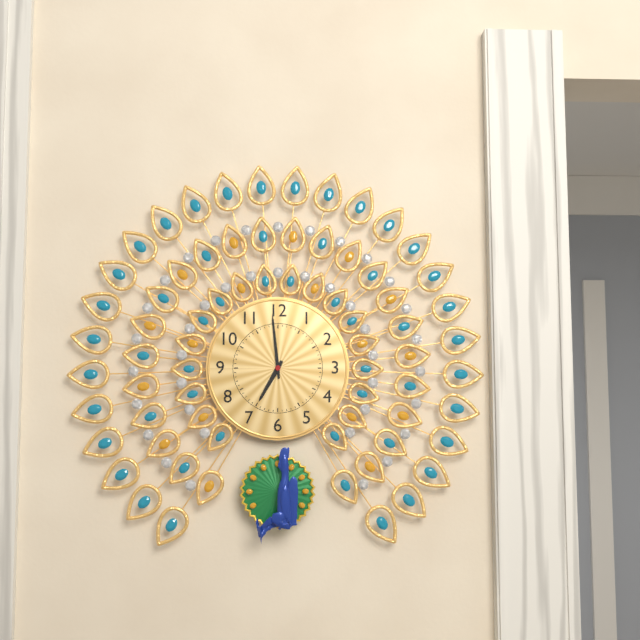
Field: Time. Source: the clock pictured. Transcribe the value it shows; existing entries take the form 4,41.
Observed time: 6,59
